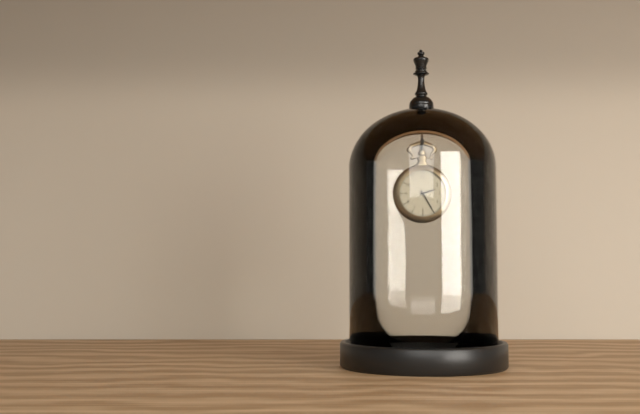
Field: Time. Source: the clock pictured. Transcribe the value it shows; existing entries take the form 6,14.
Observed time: 2,25
